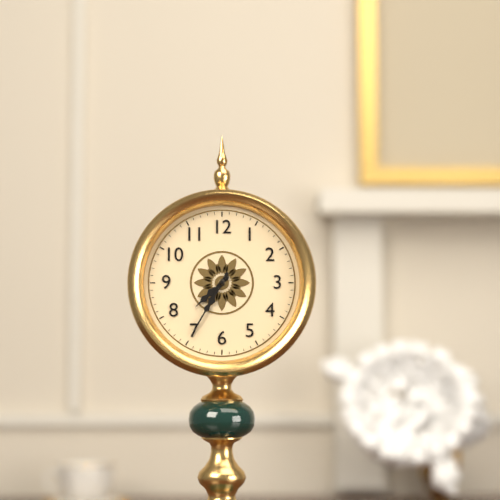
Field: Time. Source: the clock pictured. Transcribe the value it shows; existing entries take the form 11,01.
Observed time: 7,35
